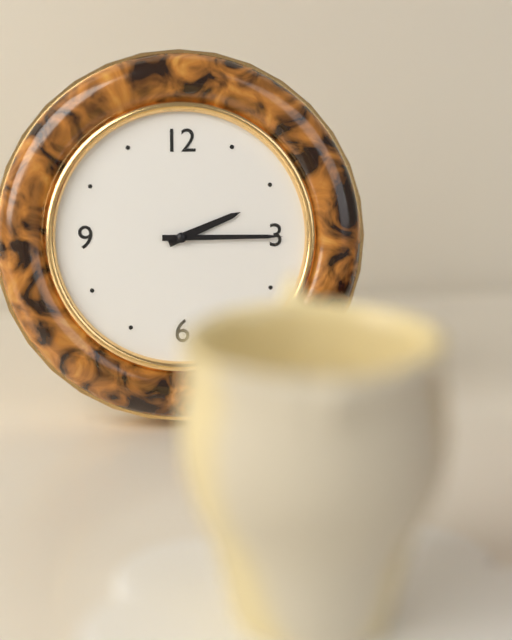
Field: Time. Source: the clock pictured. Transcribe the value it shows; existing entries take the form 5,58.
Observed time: 2,15
